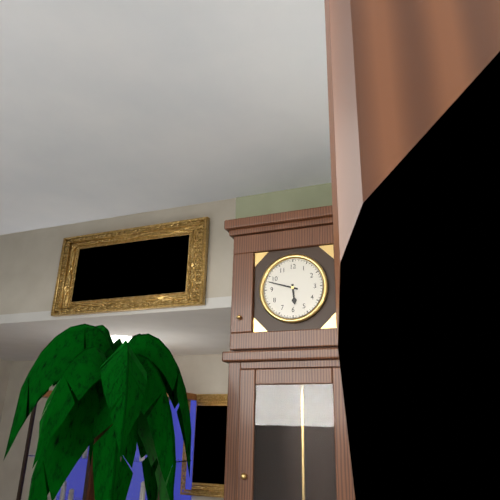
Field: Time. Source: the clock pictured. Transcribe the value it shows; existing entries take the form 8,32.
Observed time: 5,48
